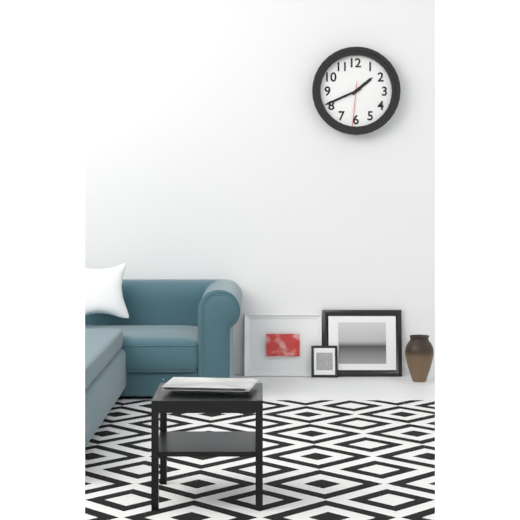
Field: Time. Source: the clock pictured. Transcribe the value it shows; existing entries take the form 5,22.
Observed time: 1,41
